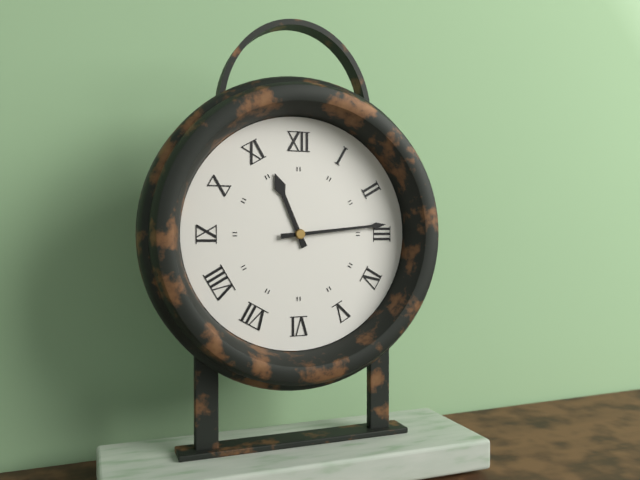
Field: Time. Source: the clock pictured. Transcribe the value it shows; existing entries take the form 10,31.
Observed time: 11,14
